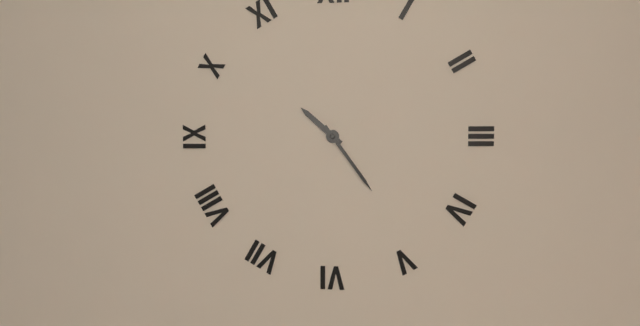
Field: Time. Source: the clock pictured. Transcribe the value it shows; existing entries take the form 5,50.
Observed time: 10,24
